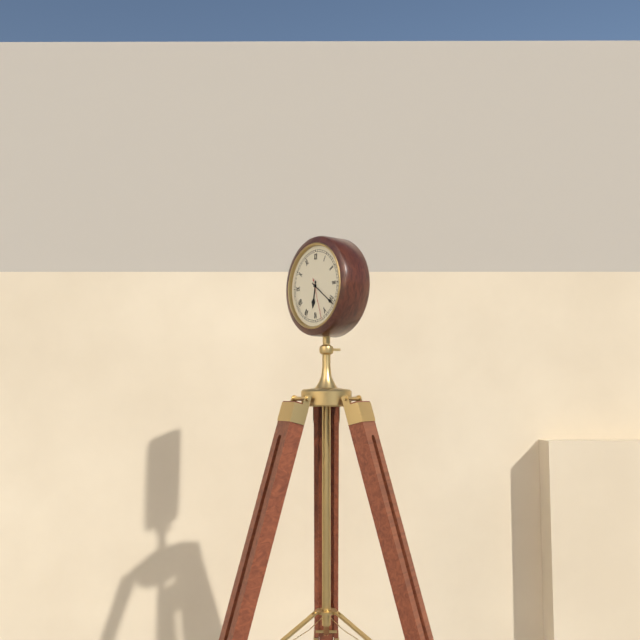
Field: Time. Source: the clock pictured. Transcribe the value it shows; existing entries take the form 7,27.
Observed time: 6,21
